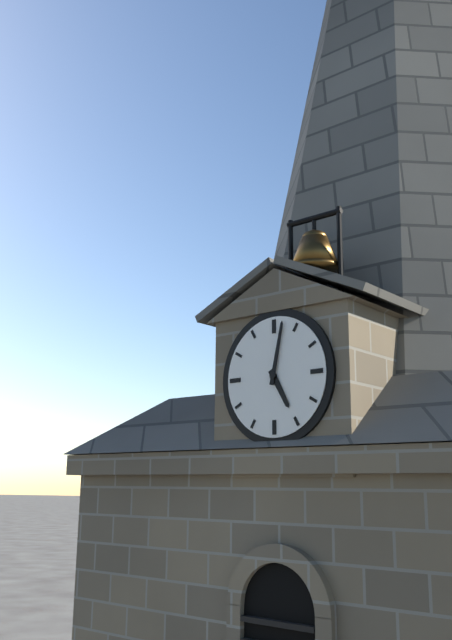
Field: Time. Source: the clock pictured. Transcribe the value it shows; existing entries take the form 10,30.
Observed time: 5,02
